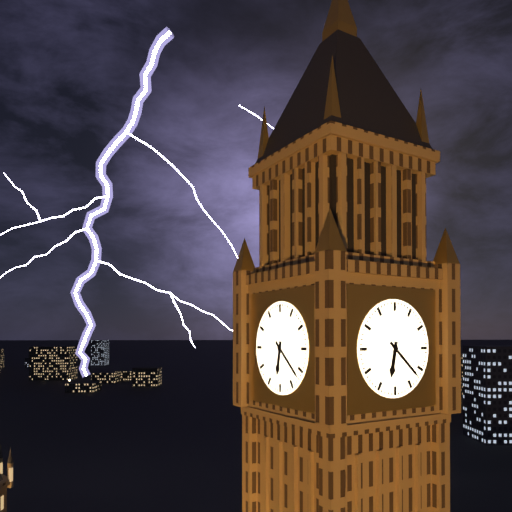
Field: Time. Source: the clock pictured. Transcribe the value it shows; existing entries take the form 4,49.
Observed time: 6,22
